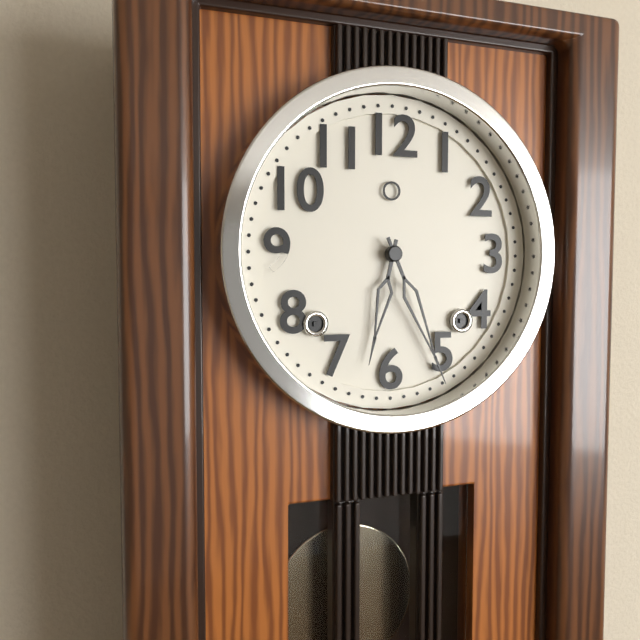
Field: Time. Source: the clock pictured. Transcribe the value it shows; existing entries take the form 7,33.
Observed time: 6,26
